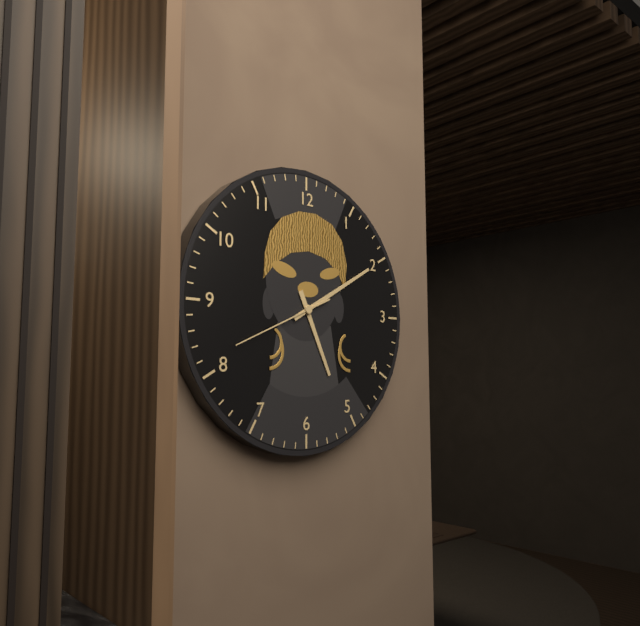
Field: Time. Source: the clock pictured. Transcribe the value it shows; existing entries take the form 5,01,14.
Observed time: 5,10,41
